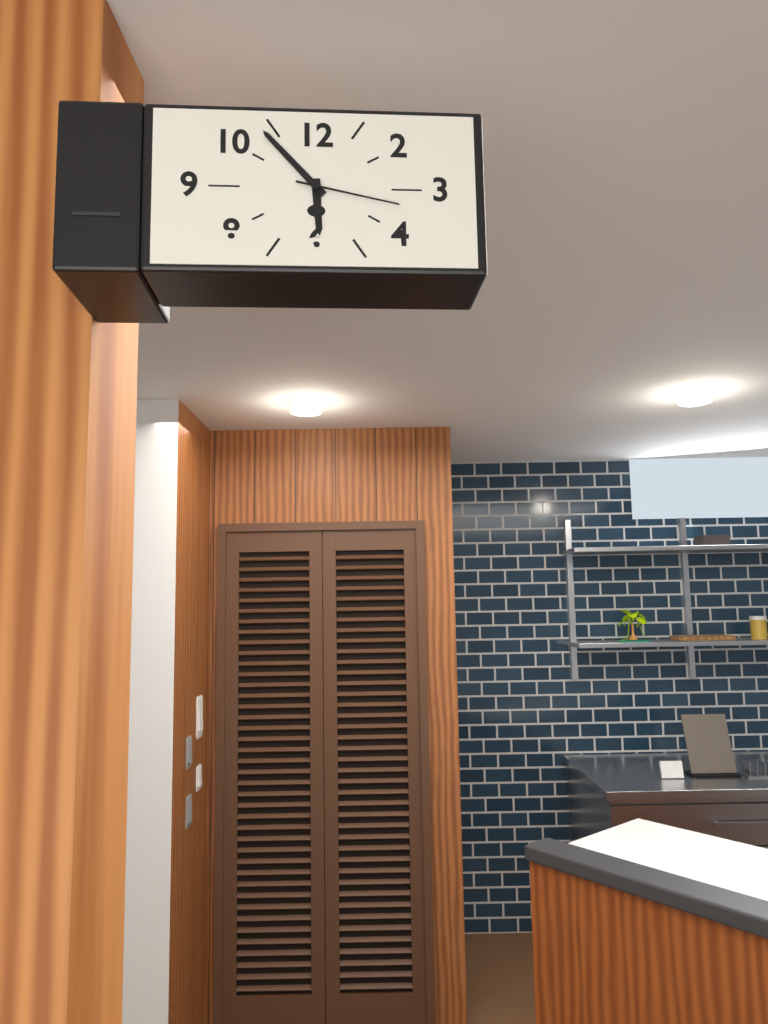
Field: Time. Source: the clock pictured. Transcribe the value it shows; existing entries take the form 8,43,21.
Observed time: 5,53,17
